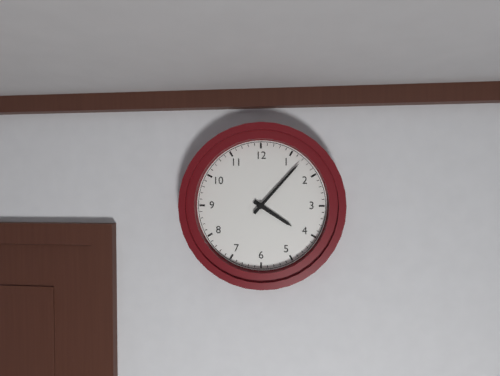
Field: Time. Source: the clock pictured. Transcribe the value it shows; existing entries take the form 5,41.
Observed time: 4,07
